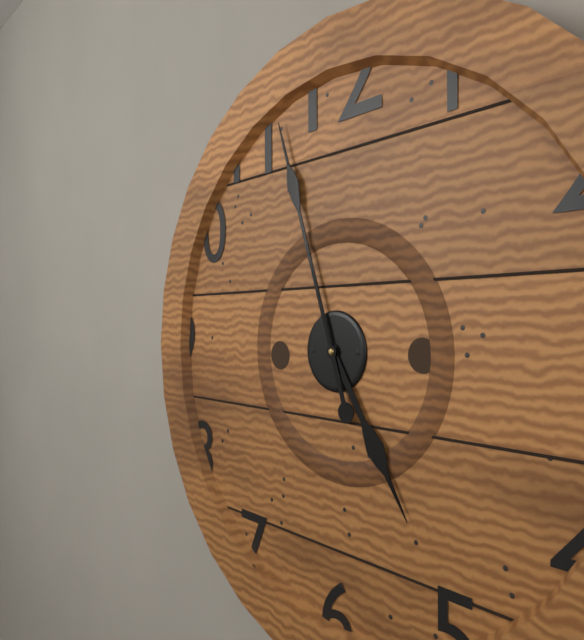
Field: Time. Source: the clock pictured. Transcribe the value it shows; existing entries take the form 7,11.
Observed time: 4,57
